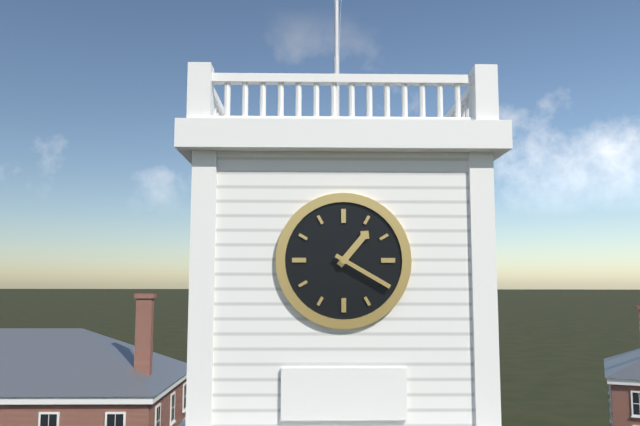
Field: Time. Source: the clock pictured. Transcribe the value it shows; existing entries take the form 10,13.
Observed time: 1,20
